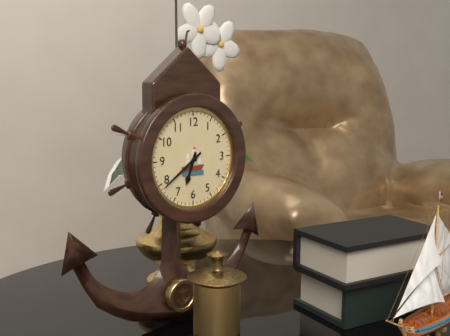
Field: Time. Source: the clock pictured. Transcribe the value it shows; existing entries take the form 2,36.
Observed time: 6,39
